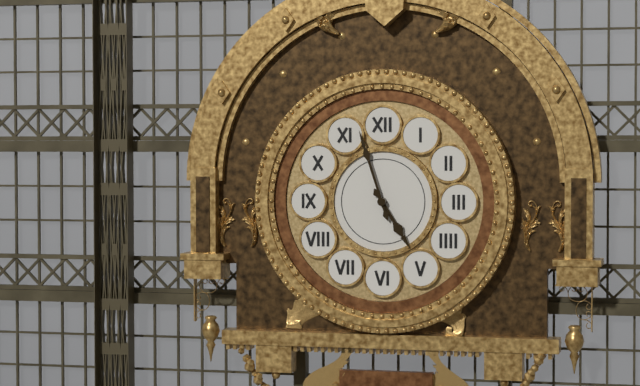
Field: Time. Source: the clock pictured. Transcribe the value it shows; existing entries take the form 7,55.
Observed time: 4,57
